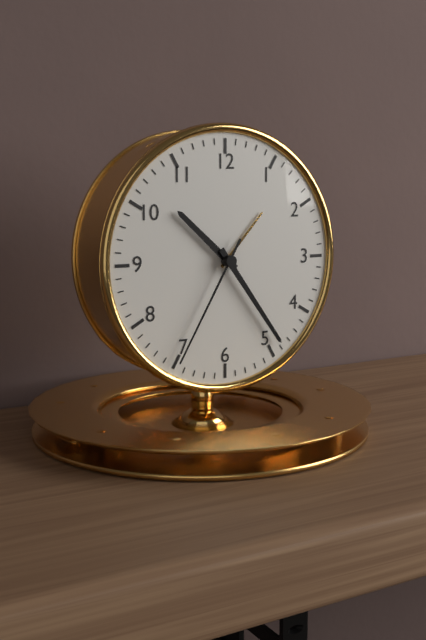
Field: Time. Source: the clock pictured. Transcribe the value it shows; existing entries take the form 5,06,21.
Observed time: 10,24,35
